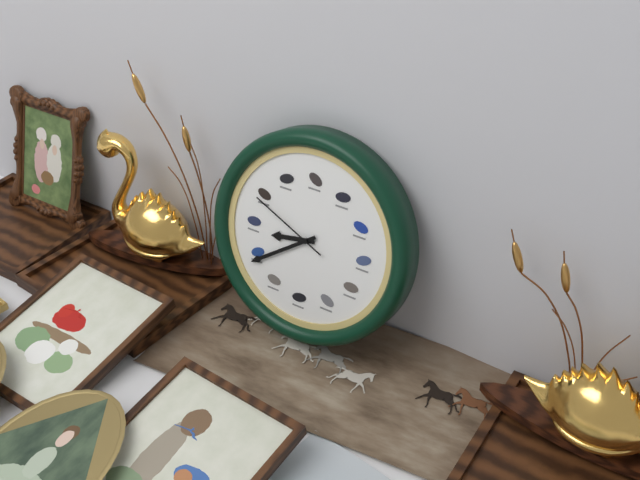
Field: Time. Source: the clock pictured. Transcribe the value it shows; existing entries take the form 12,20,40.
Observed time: 8,39,49
